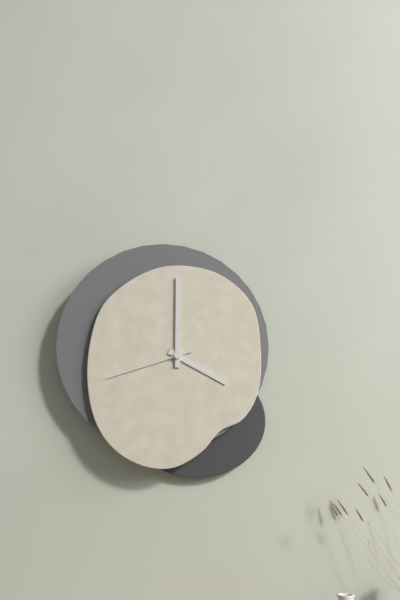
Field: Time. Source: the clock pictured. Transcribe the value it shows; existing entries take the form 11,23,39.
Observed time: 4,00,42
